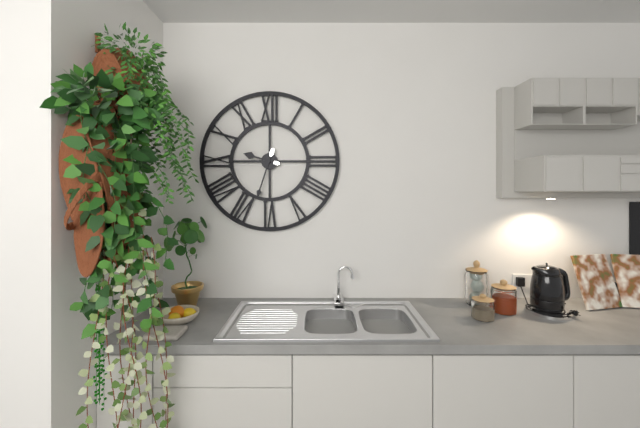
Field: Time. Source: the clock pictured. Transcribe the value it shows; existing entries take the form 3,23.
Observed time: 9,33
